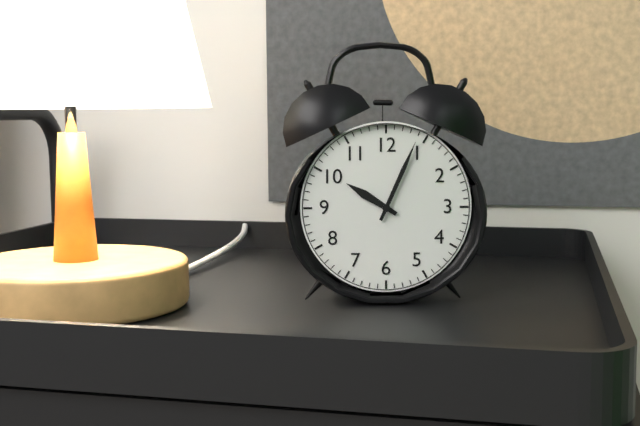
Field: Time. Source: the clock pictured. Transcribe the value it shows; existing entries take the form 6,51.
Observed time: 10,04
